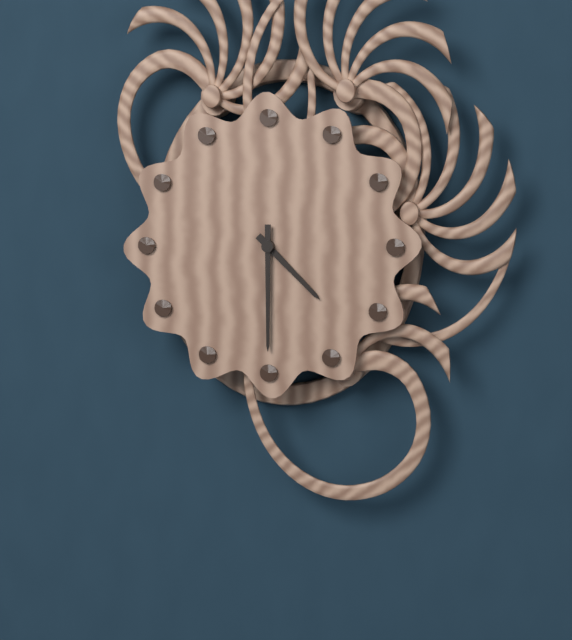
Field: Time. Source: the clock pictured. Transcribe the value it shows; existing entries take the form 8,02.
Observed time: 4,30
